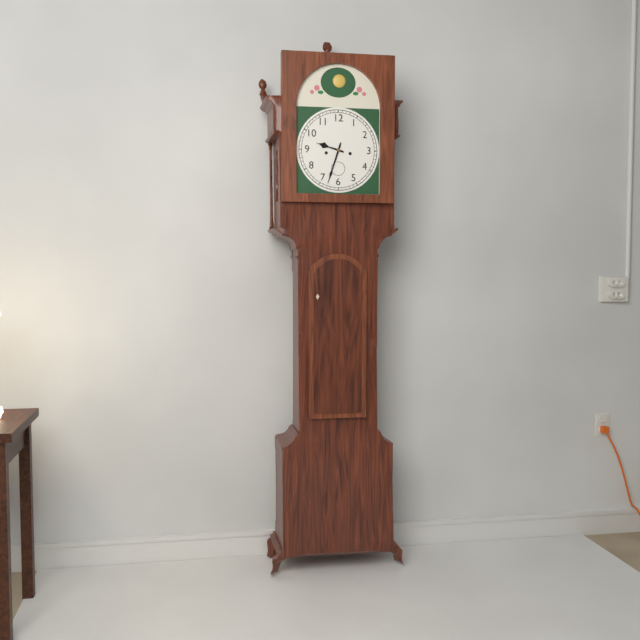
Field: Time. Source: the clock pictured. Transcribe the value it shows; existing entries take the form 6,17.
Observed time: 9,33
